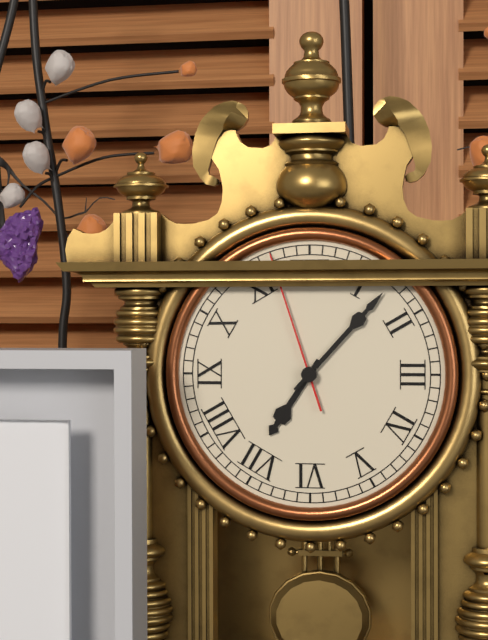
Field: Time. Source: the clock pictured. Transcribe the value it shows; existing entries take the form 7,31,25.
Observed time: 7,07,57
